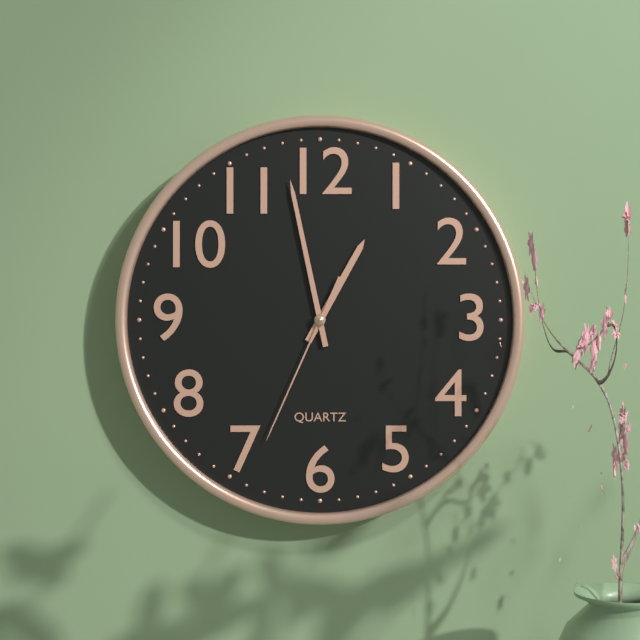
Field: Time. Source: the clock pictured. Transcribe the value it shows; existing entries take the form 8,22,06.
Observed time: 12,58,34
